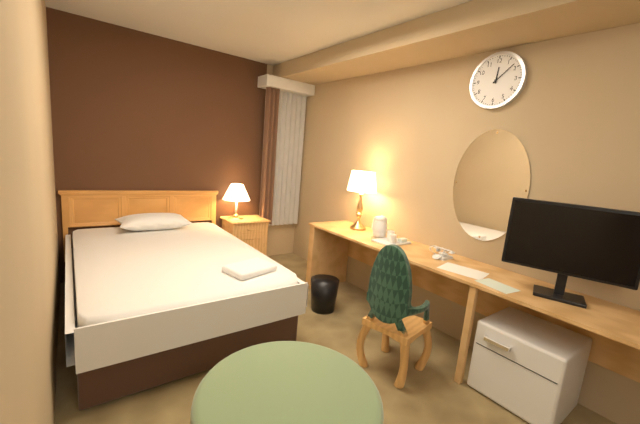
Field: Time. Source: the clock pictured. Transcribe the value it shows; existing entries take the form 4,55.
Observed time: 12,08
